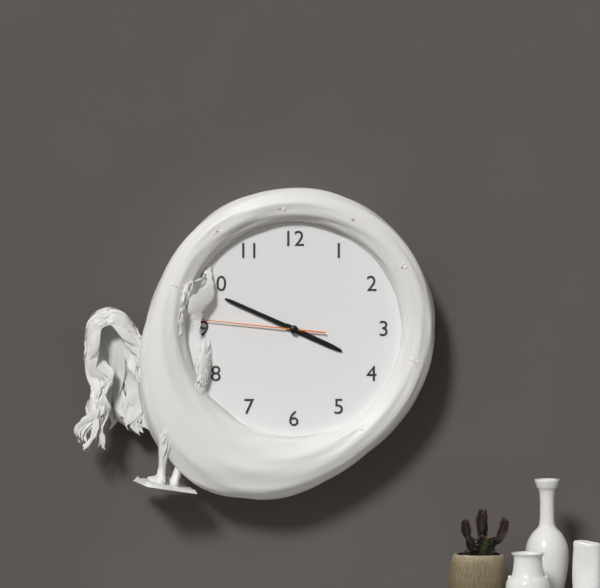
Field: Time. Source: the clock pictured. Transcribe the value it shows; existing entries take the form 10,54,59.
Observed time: 3,49,46
